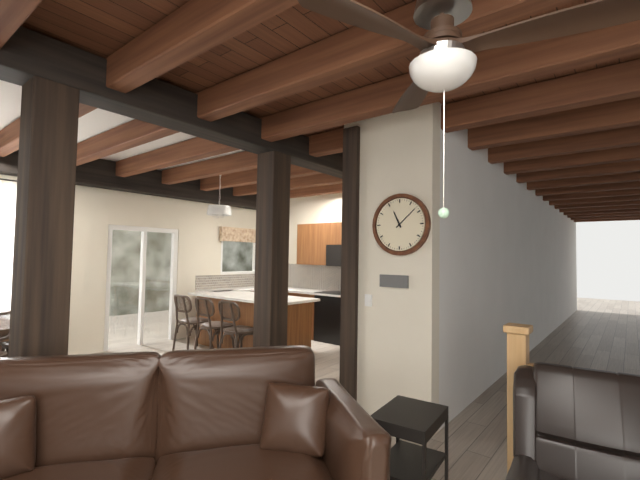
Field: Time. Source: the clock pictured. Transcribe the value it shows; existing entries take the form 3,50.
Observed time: 11,08
